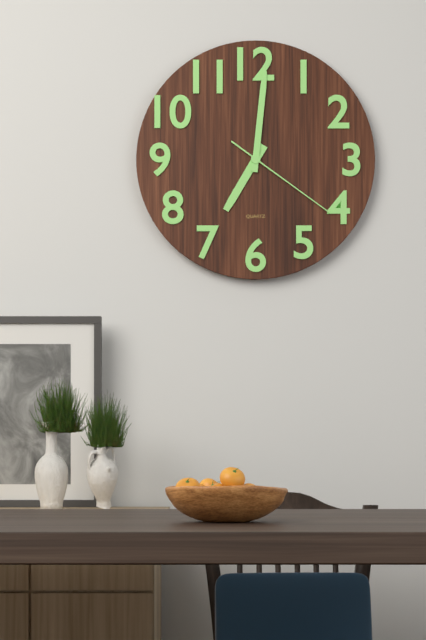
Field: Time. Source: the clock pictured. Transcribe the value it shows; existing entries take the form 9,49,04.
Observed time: 7,01,21
